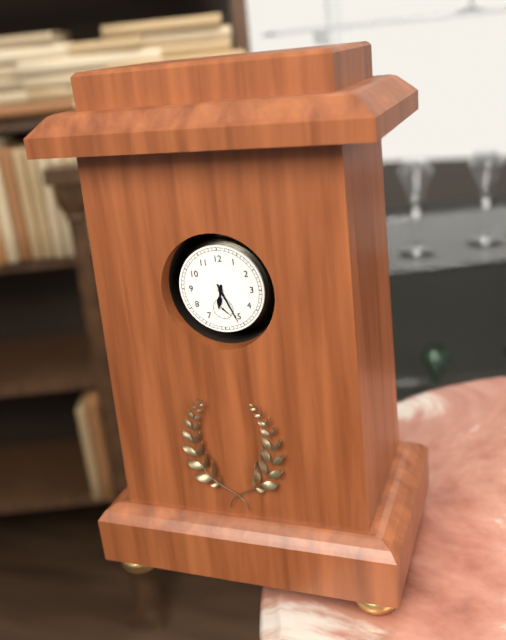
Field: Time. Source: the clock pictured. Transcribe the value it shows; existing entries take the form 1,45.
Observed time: 6,26
